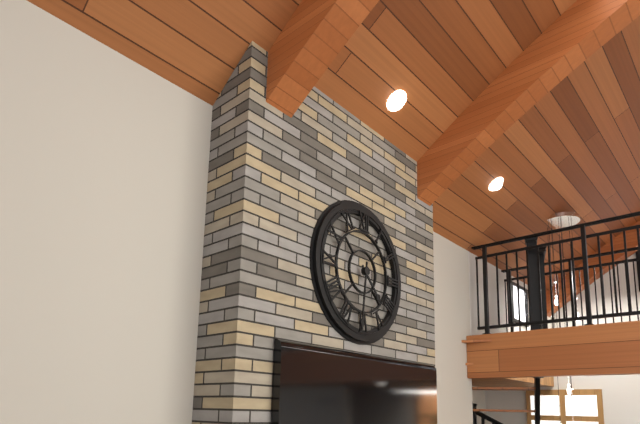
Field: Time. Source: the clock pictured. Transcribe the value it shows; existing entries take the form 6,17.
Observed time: 4,31
